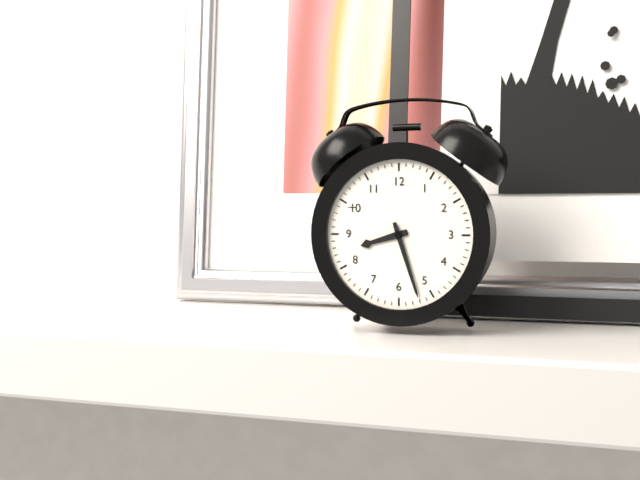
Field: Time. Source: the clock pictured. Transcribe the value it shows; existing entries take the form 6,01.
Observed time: 8,27
